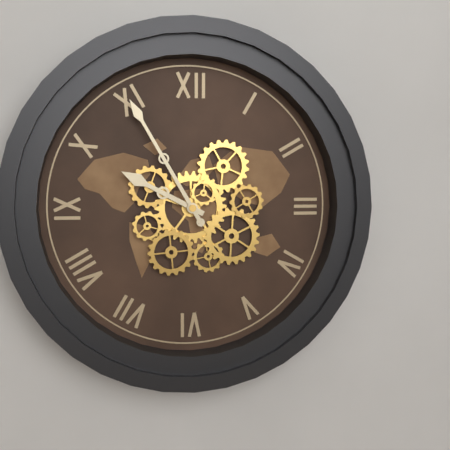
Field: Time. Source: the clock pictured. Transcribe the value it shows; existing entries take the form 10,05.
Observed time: 9,55
